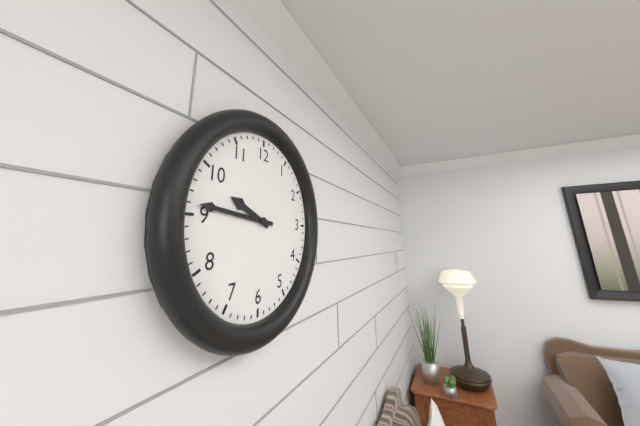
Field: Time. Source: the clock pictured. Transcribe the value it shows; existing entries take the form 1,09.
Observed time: 9,46
